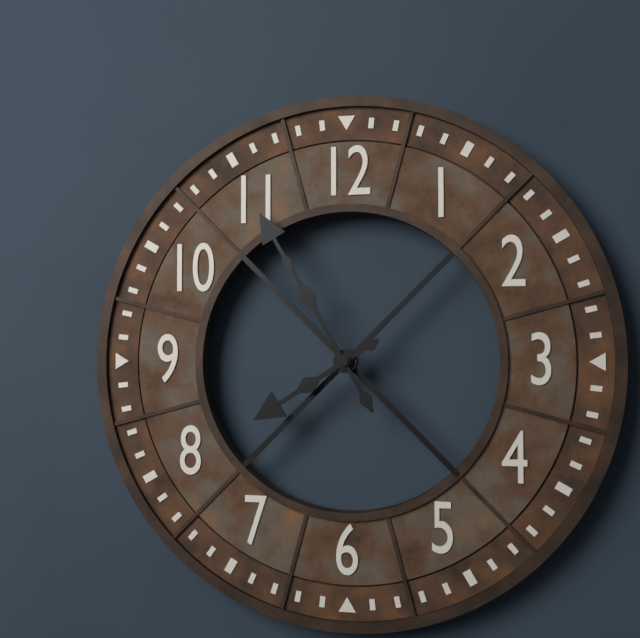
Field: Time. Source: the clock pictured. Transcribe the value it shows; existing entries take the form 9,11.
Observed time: 7,55
